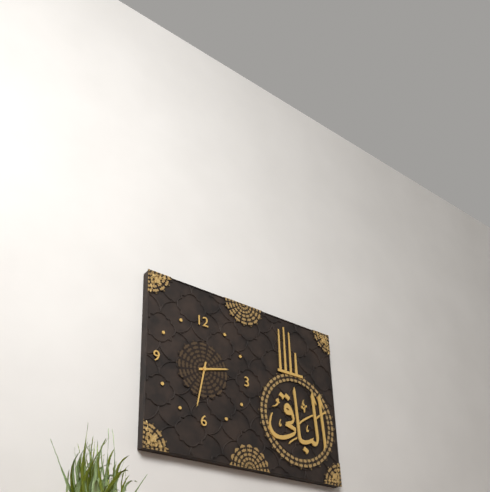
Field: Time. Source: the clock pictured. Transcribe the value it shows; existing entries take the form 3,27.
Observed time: 2,32
